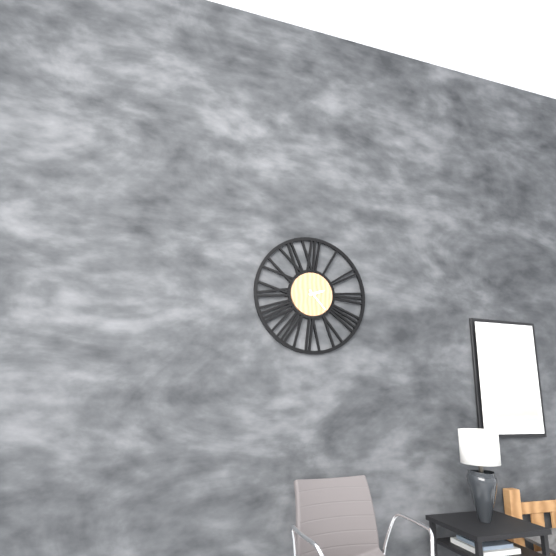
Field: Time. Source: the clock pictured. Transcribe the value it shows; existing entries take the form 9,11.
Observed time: 2,23
